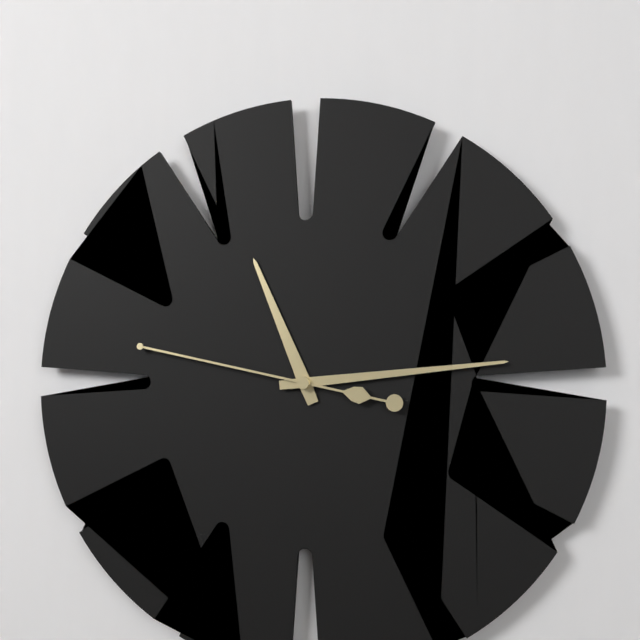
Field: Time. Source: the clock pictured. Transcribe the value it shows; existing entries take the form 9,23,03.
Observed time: 11,14,47
